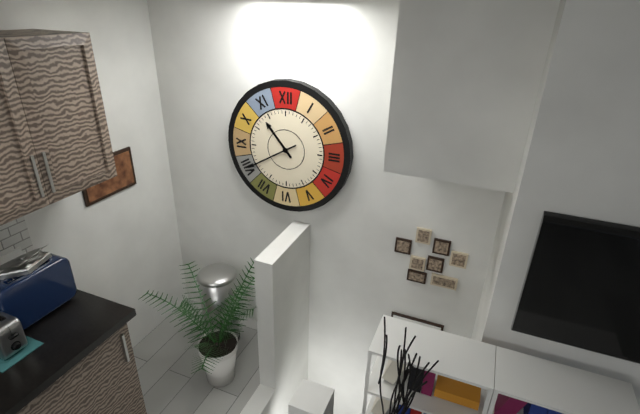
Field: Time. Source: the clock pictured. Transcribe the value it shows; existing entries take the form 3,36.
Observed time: 10,40
